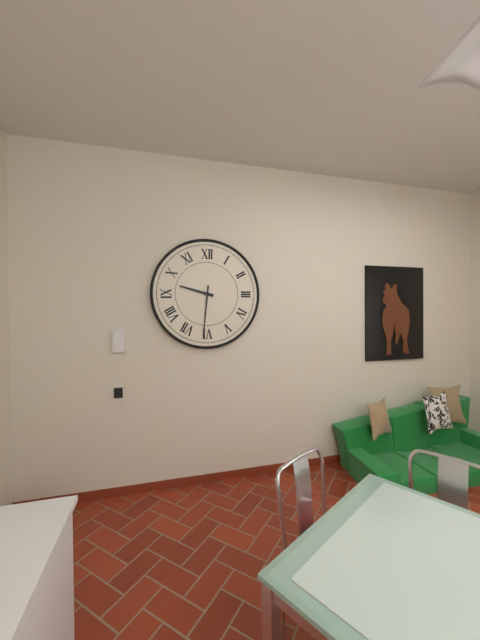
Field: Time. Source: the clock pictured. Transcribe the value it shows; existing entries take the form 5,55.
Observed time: 9,31
